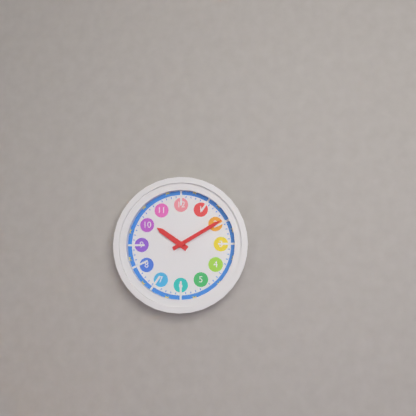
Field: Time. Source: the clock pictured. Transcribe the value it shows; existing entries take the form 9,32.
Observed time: 10,10
